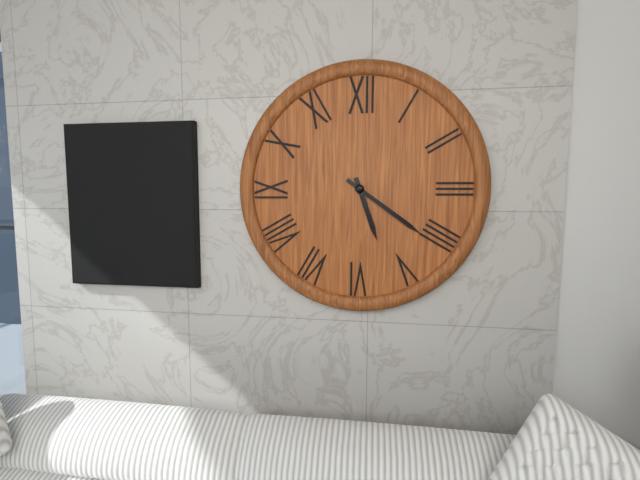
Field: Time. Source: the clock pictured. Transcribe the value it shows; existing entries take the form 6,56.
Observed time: 5,21
